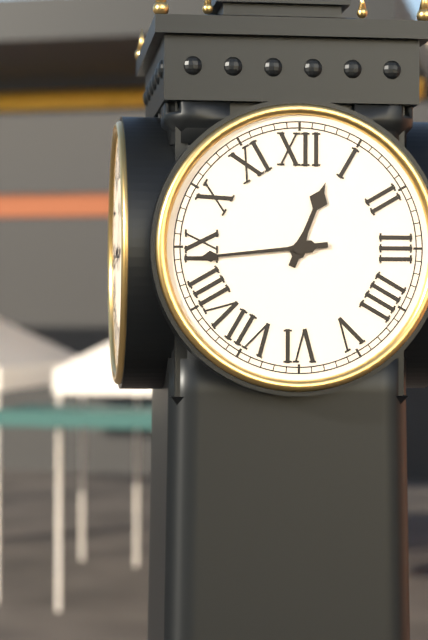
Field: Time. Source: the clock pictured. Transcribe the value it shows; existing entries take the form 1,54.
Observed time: 12,44
